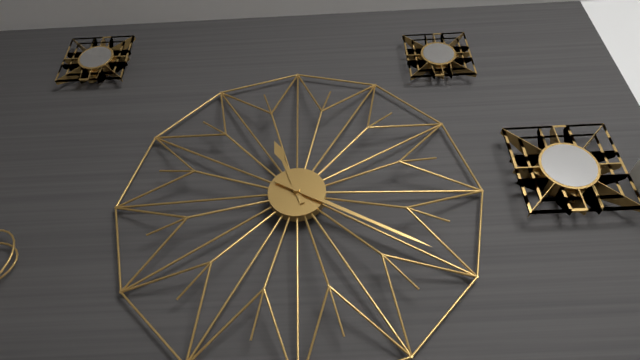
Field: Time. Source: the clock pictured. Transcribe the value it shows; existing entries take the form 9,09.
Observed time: 11,20
